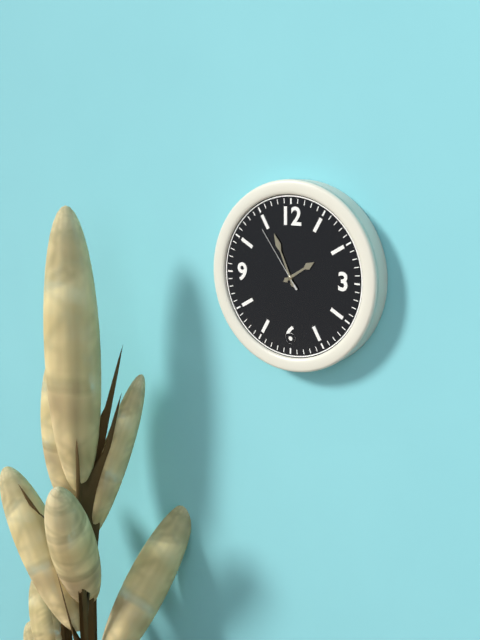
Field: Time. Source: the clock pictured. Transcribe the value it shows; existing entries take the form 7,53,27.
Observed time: 1,56,54
